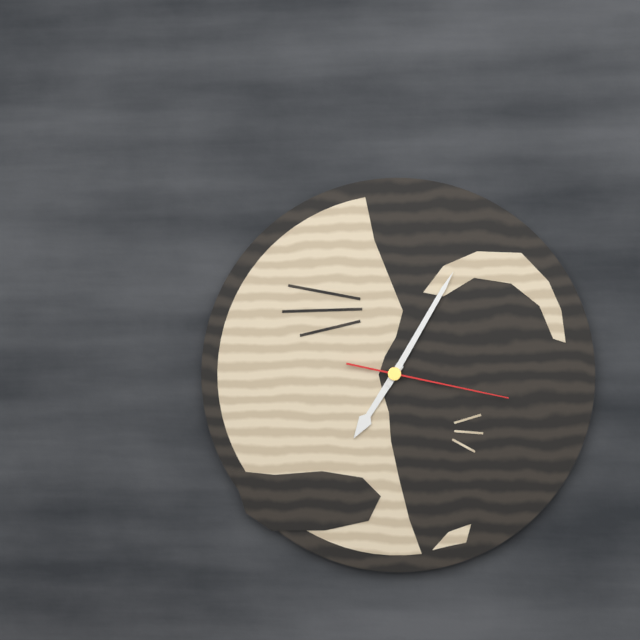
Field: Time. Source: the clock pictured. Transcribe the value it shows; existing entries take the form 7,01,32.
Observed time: 7,05,17
